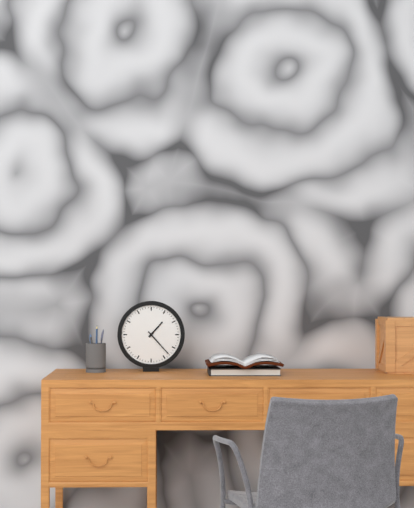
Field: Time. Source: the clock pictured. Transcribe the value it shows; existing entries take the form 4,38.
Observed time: 1,23
